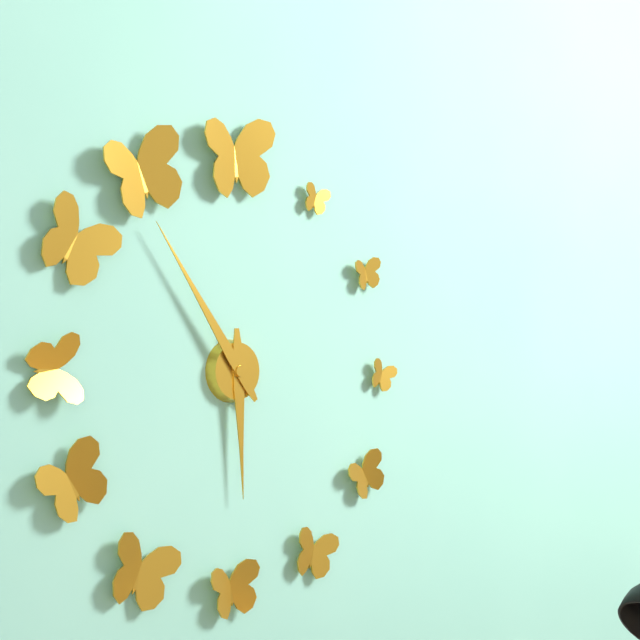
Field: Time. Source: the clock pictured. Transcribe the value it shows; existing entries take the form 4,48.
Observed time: 5,54
